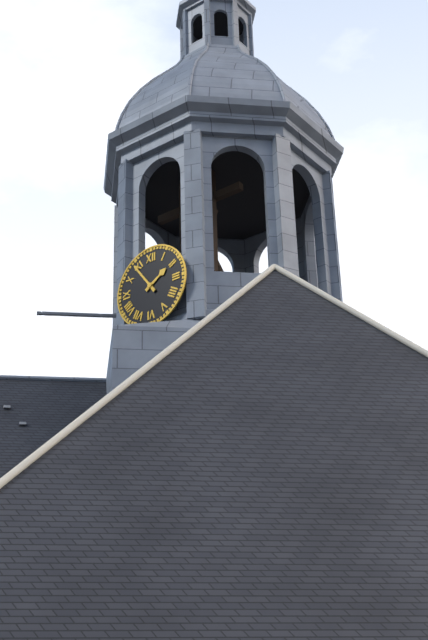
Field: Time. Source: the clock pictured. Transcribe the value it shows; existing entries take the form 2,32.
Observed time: 1,54
